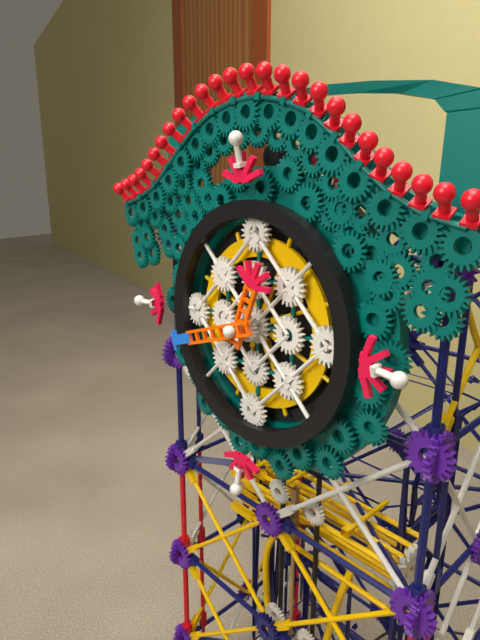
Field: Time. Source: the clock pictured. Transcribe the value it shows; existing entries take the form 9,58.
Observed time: 12,42
